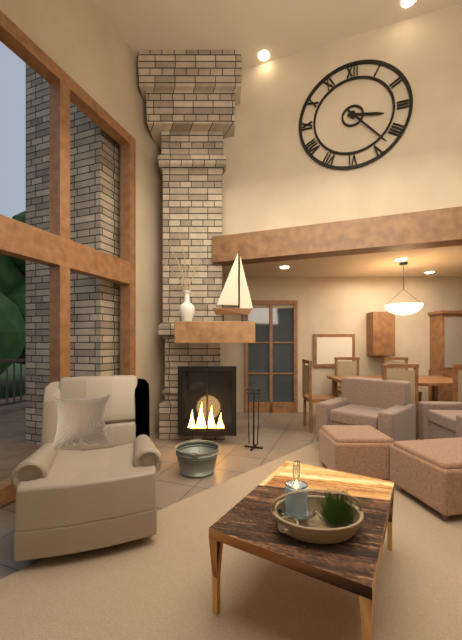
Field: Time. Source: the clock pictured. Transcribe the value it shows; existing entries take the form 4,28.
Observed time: 3,23
